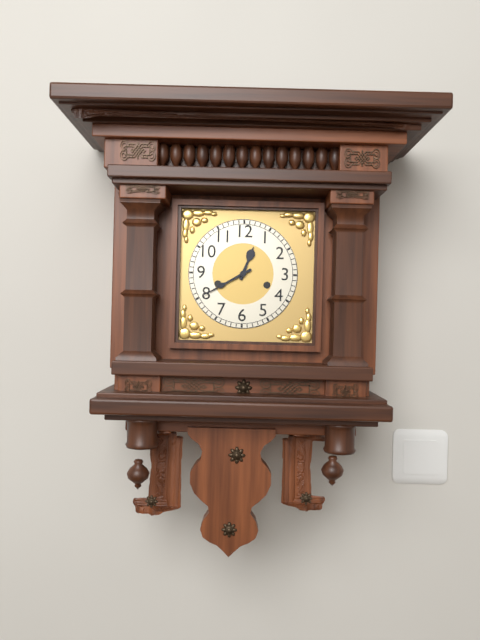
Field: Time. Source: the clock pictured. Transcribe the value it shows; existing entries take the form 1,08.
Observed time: 12,40
